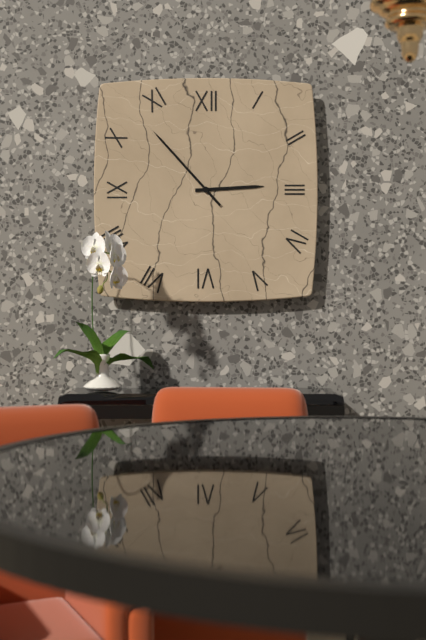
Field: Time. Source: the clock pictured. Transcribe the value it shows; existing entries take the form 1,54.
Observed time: 2,53
